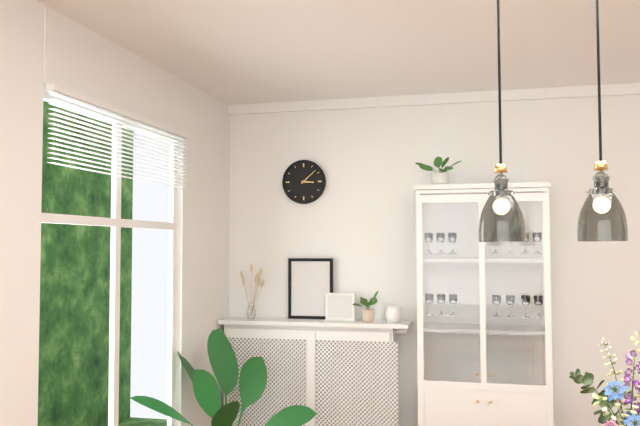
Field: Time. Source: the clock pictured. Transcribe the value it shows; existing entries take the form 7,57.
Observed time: 3,08
